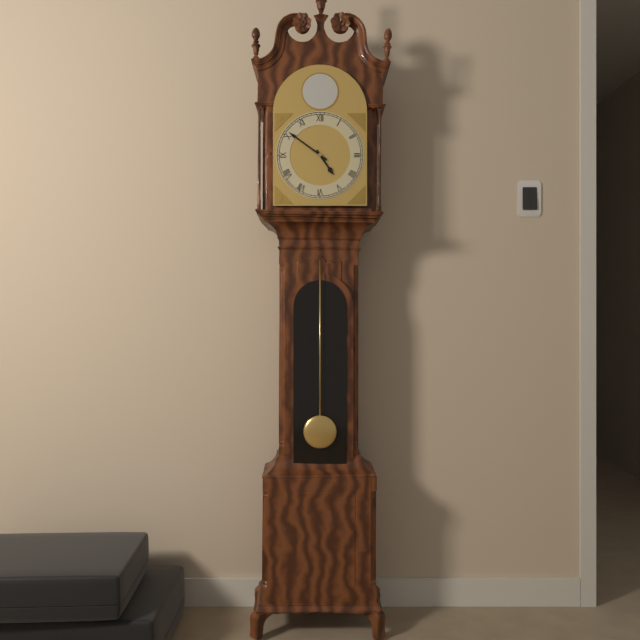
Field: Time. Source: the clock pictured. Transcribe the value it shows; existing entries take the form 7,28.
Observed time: 4,51
